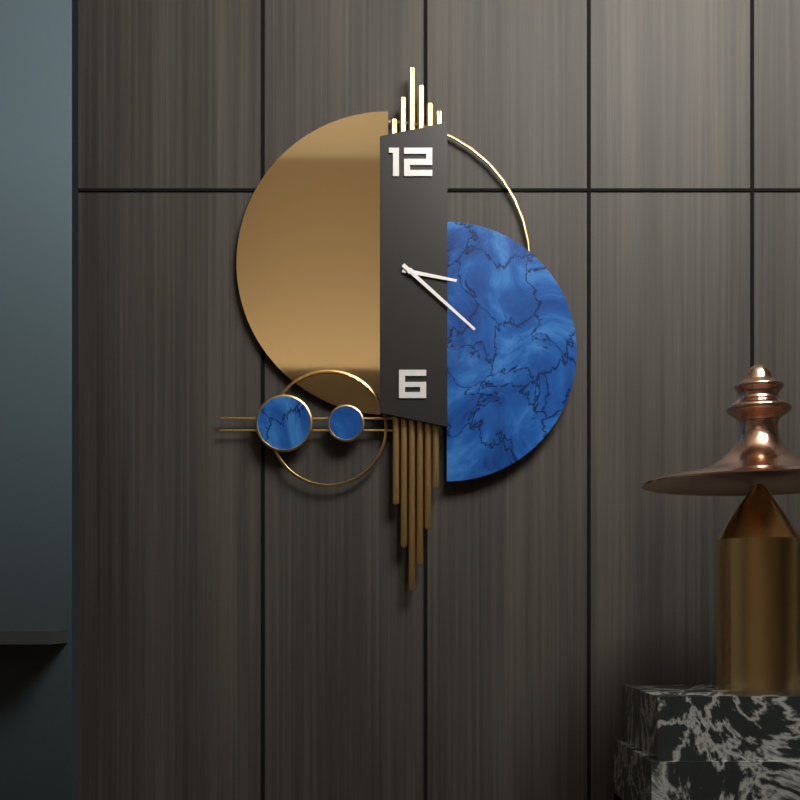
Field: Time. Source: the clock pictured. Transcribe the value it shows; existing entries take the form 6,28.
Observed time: 3,22
